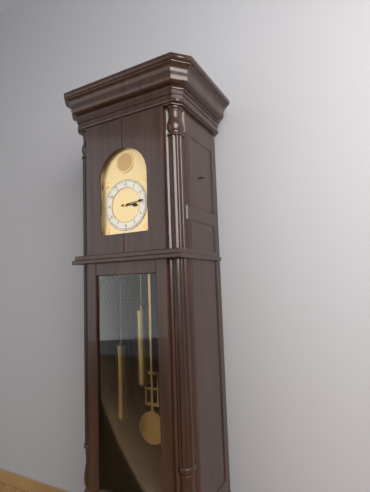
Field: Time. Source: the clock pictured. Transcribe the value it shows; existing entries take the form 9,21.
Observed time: 3,14
